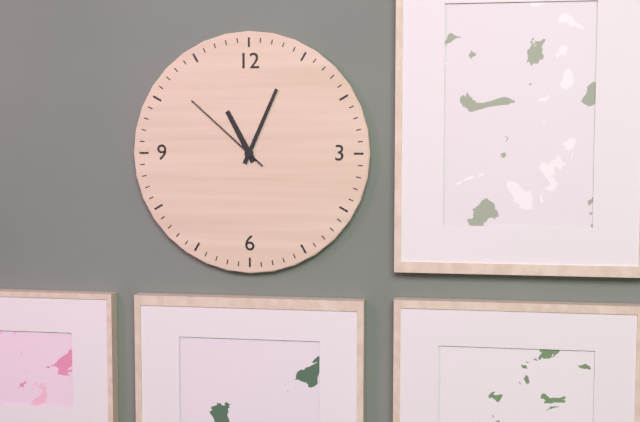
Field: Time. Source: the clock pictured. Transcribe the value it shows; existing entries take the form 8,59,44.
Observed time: 11,04,52
